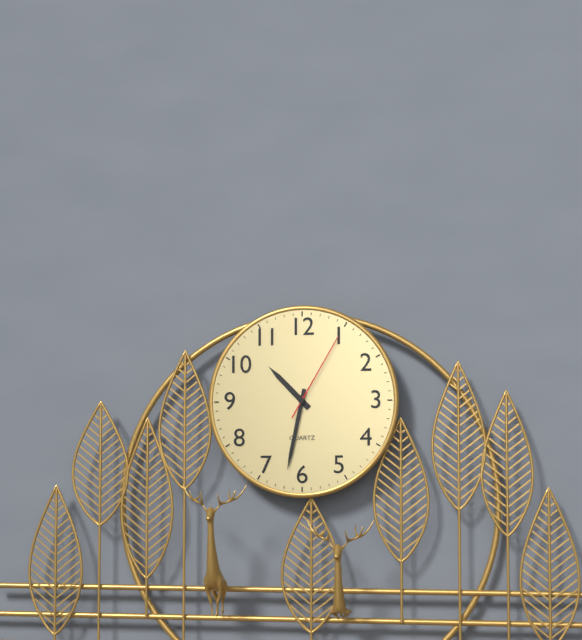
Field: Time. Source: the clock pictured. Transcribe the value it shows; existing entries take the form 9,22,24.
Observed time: 10,32,05
